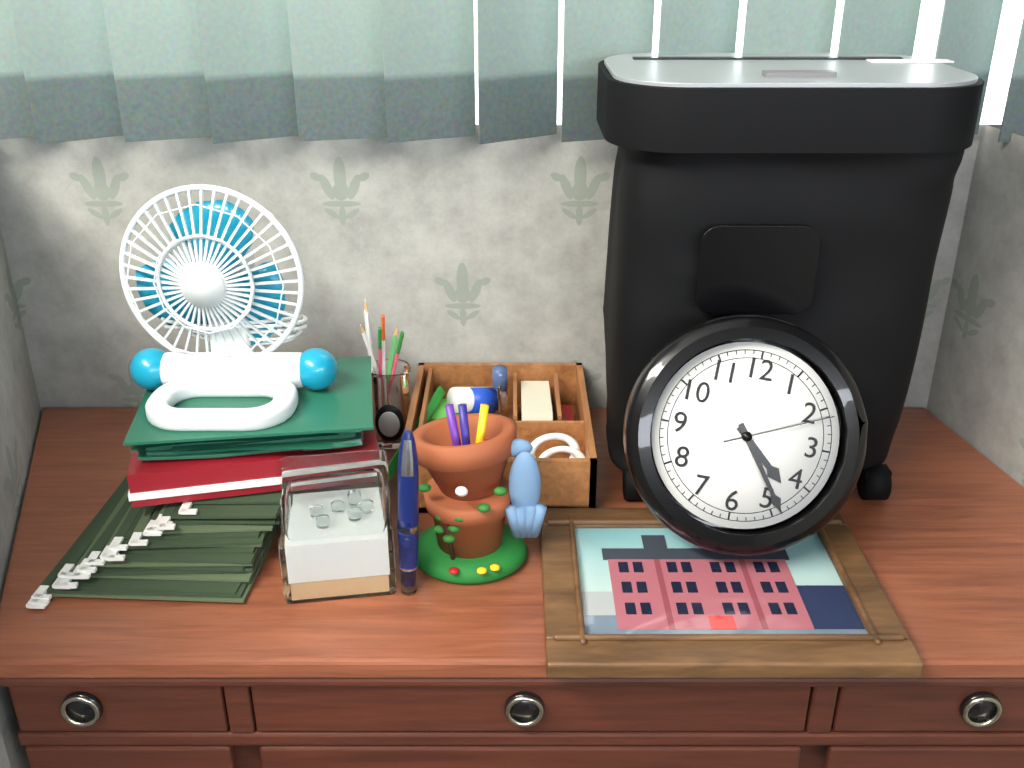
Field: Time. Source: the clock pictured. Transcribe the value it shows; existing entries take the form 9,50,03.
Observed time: 4,24,11
